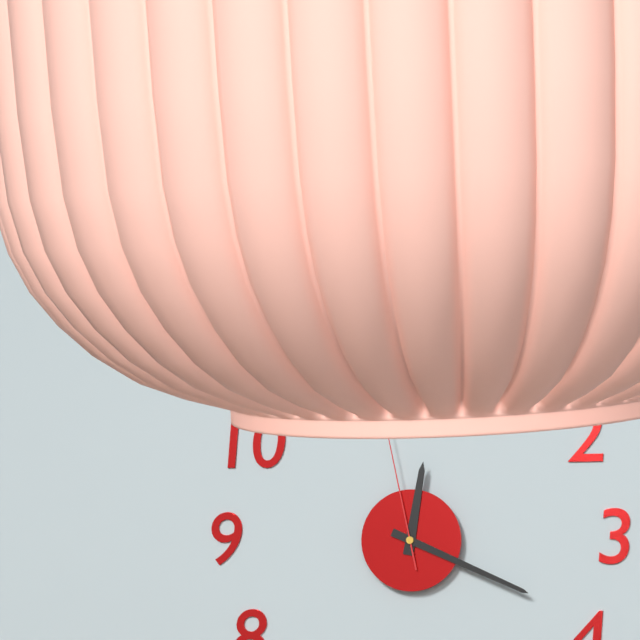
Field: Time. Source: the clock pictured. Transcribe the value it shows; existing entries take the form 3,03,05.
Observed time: 12,19,58
